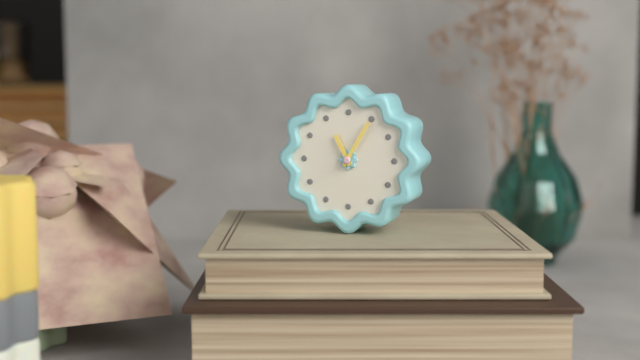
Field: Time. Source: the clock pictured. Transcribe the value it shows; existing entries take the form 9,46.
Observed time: 11,05
